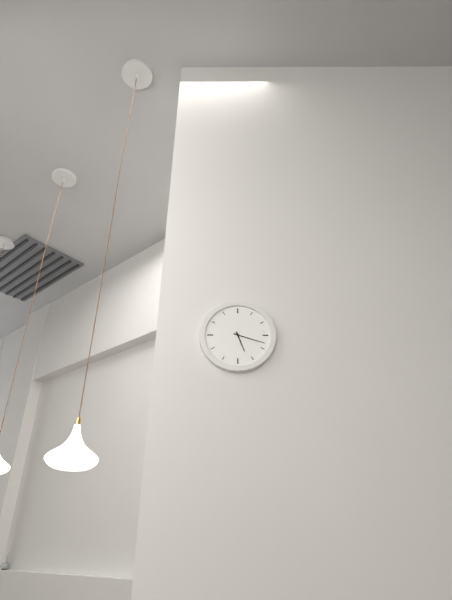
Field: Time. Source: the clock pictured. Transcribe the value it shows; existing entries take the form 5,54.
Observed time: 5,18
